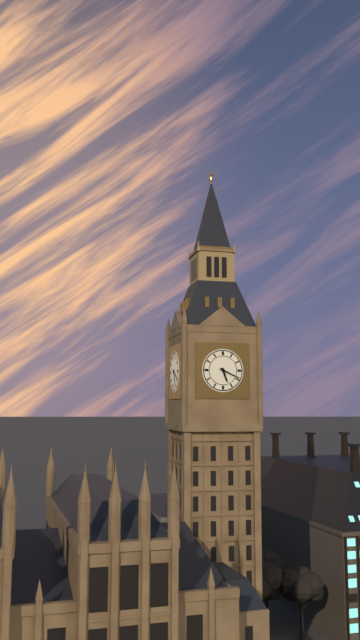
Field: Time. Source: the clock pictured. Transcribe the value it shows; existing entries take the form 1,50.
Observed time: 5,19
